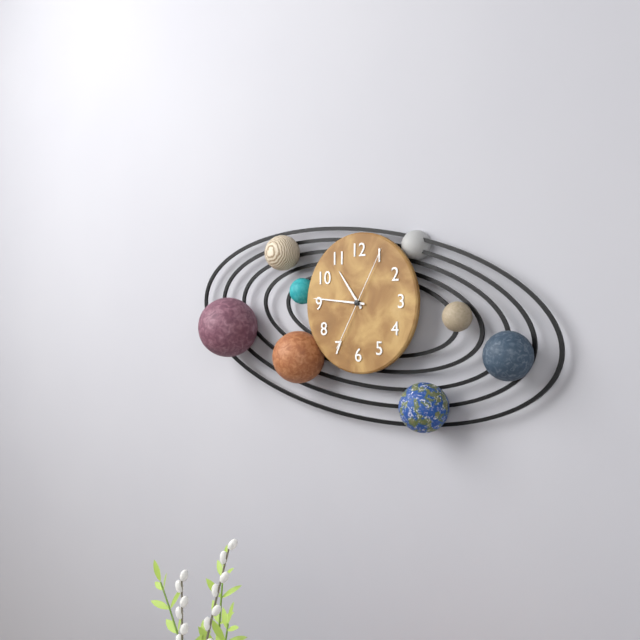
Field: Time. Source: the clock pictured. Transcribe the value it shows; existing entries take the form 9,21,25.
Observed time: 10,46,05
